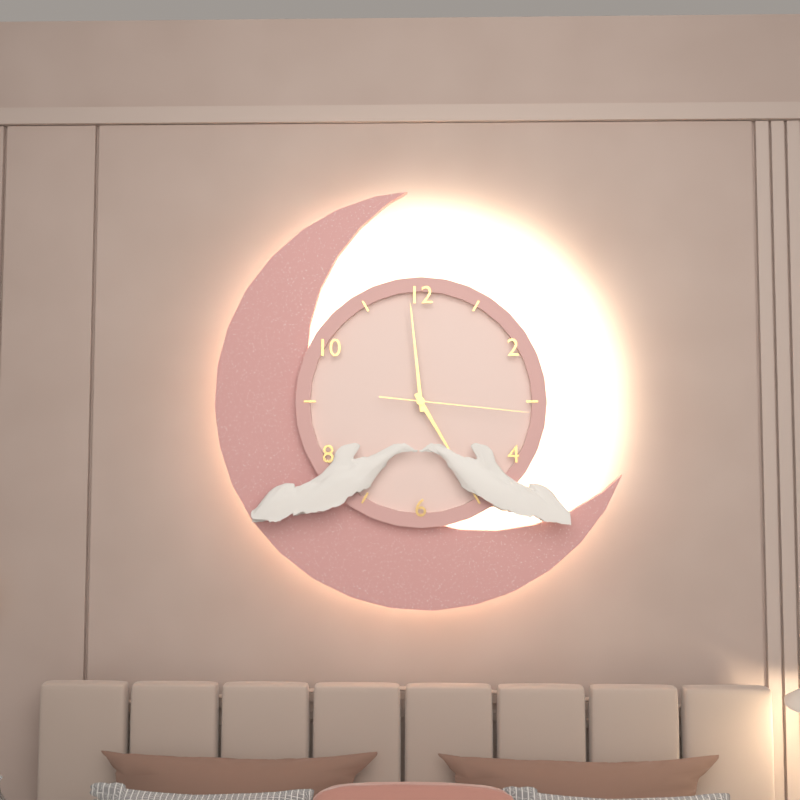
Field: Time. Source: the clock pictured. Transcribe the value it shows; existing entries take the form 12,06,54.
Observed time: 4,59,16
